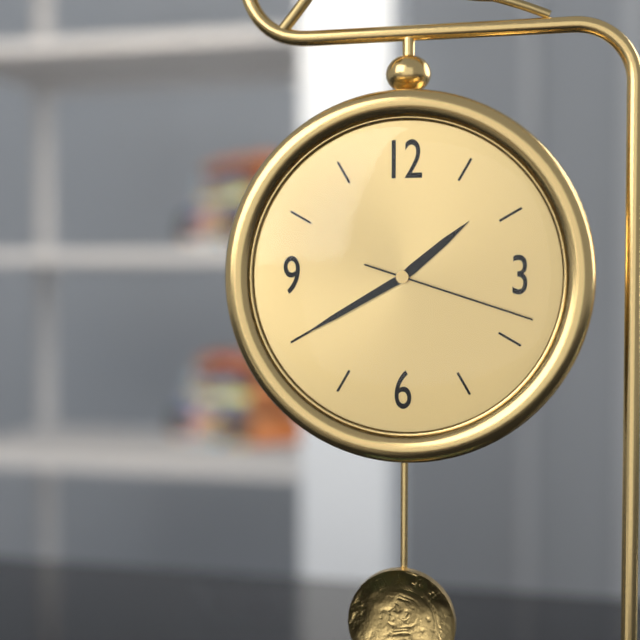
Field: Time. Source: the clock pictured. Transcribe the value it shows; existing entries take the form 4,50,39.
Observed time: 1,40,18
